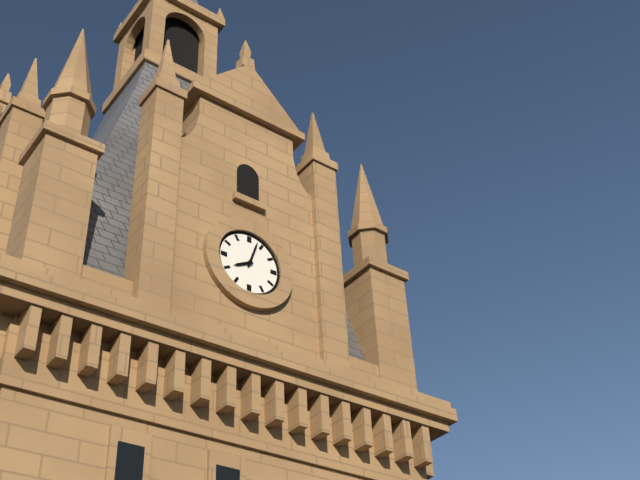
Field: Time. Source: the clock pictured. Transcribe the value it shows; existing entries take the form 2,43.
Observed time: 8,03
